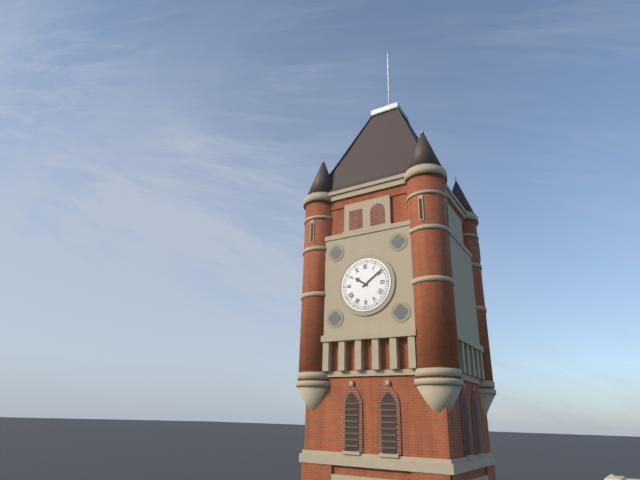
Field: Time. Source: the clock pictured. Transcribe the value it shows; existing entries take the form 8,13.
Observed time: 10,09
